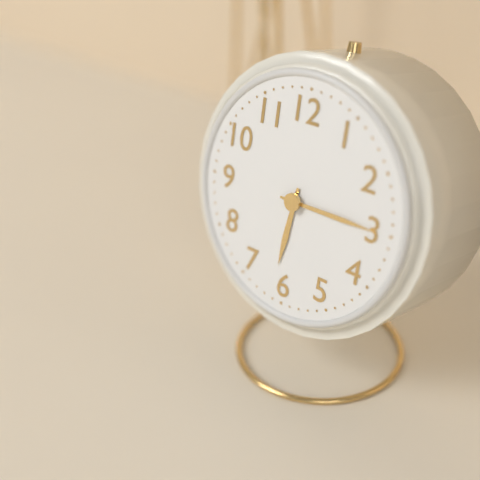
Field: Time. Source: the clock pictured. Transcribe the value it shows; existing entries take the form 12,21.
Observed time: 6,15
